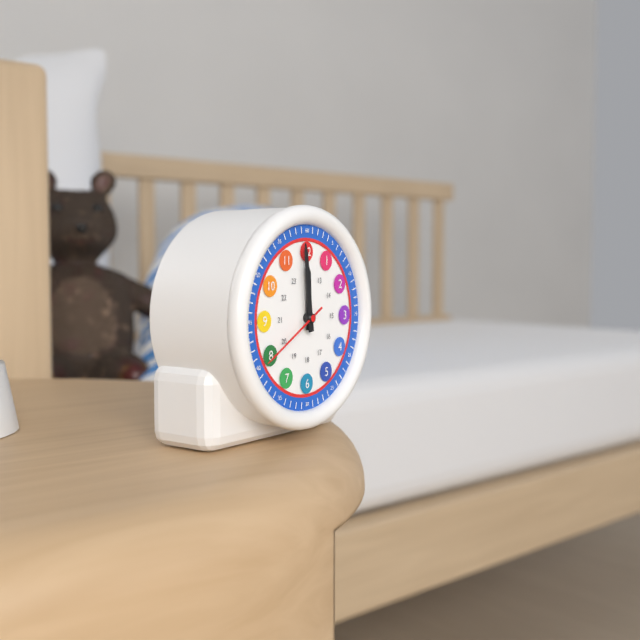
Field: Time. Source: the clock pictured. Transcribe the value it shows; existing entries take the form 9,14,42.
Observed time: 11,59,40
